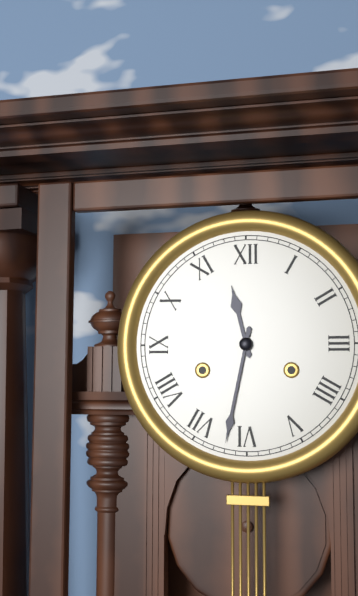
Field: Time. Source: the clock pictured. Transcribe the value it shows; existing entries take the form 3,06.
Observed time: 11,32
